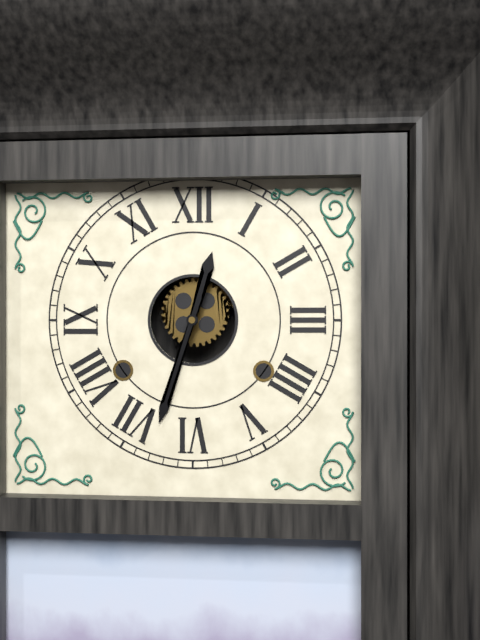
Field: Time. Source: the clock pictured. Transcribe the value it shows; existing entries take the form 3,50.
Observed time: 12,33
